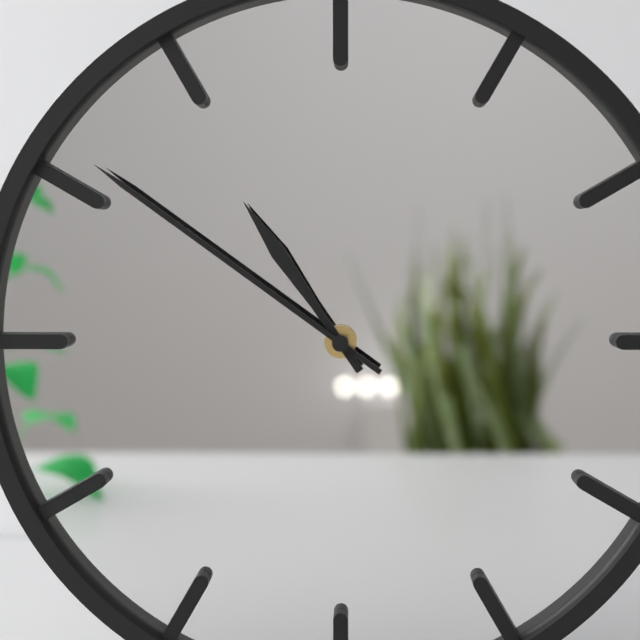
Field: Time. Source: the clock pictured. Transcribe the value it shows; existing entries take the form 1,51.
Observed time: 10,51
